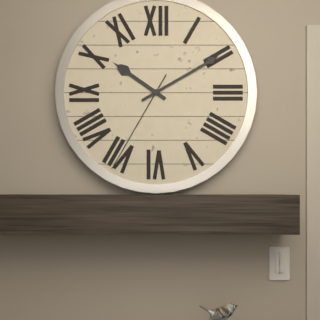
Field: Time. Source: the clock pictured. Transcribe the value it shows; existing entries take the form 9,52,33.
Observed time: 10,10,35
